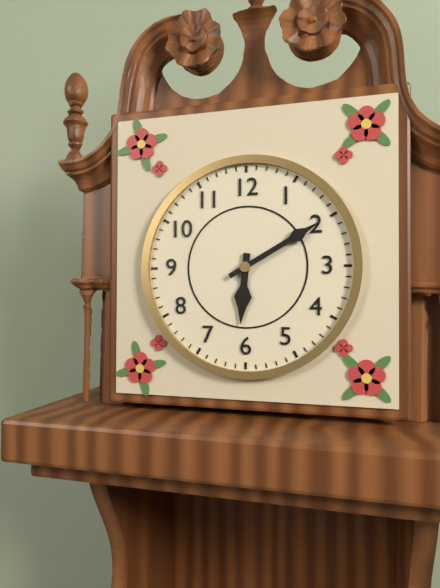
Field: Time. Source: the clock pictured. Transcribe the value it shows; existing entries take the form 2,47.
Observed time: 6,10
